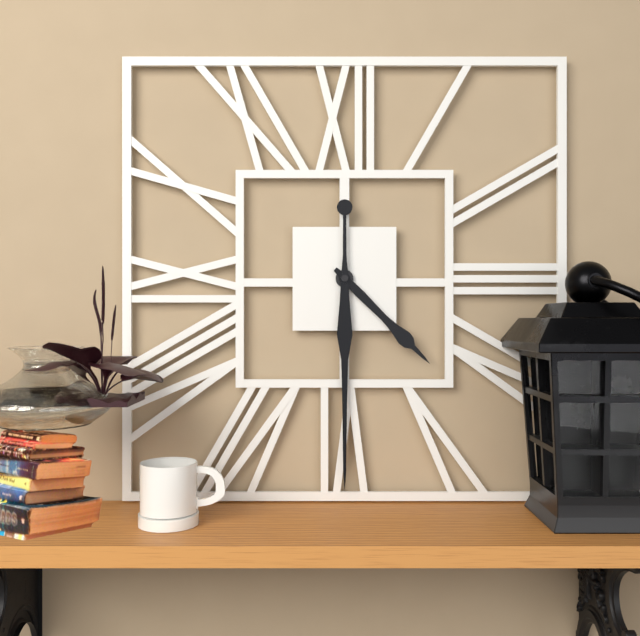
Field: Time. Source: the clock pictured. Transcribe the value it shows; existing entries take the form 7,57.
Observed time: 4,30
